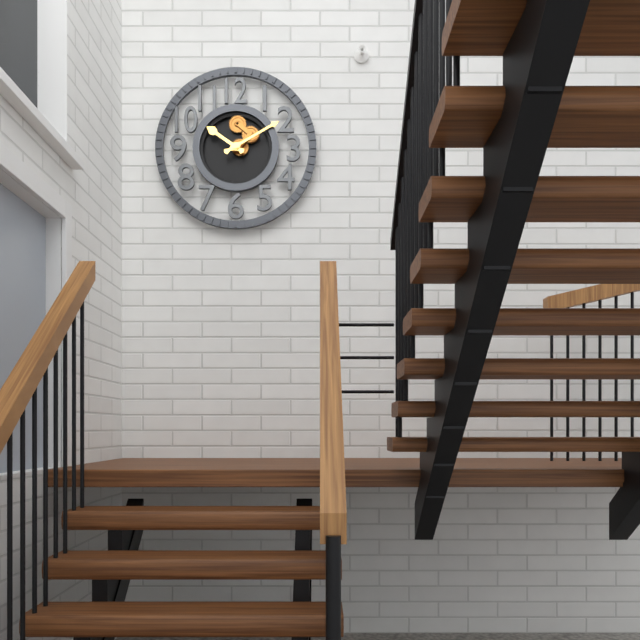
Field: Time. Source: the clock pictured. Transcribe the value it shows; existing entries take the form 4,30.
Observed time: 10,10
